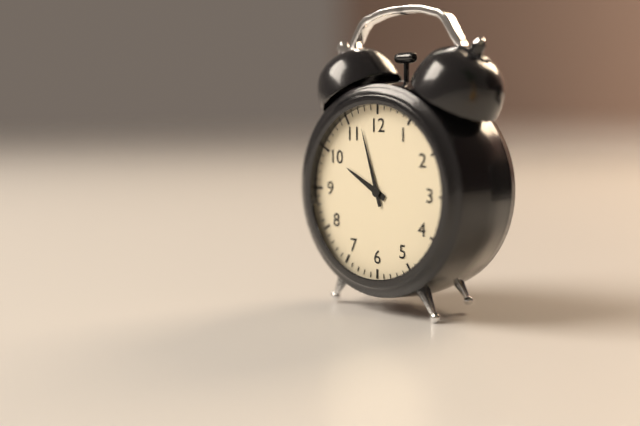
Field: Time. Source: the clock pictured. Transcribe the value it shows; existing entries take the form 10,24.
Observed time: 9,57
